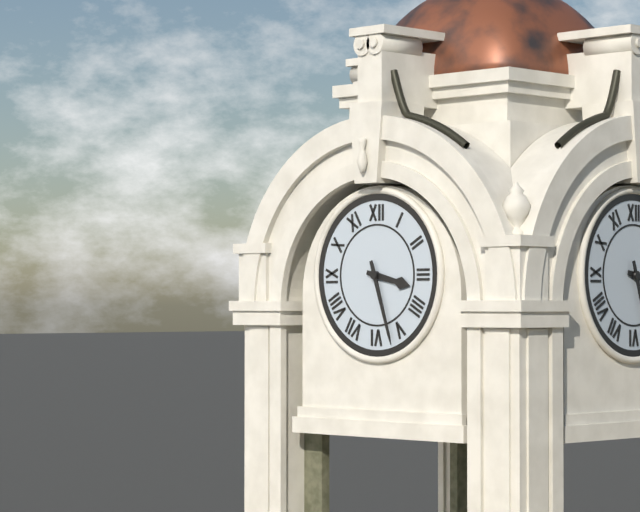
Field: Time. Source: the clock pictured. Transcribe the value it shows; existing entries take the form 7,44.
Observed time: 3,27
